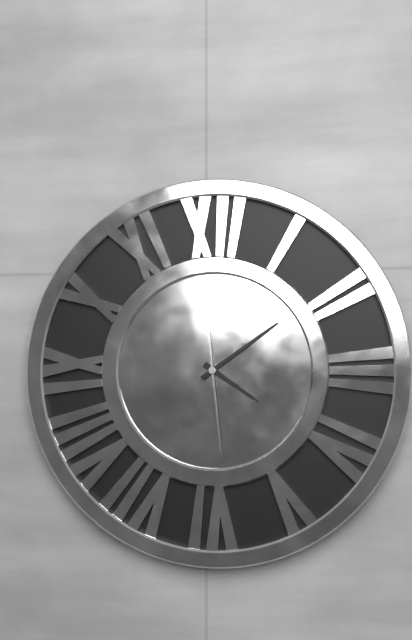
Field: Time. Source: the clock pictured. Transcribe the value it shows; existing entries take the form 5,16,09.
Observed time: 4,09,29
